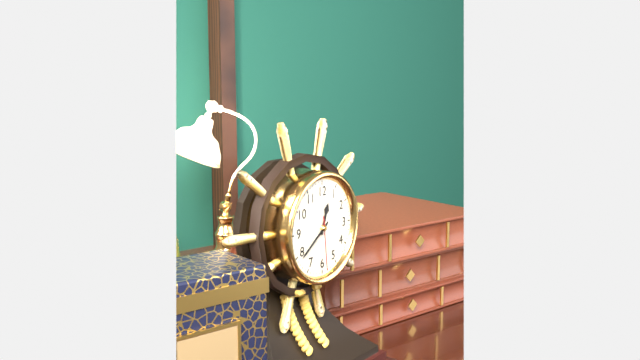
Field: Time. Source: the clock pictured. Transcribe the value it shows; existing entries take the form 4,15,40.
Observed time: 12,39,29
